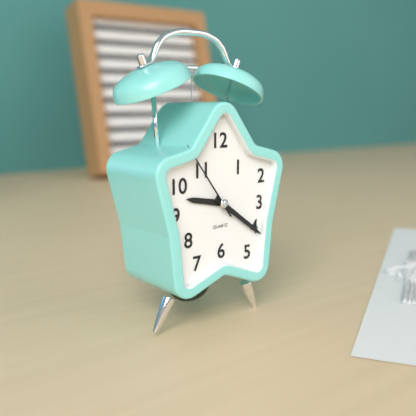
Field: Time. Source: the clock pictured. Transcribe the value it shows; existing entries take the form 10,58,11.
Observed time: 9,21,54
